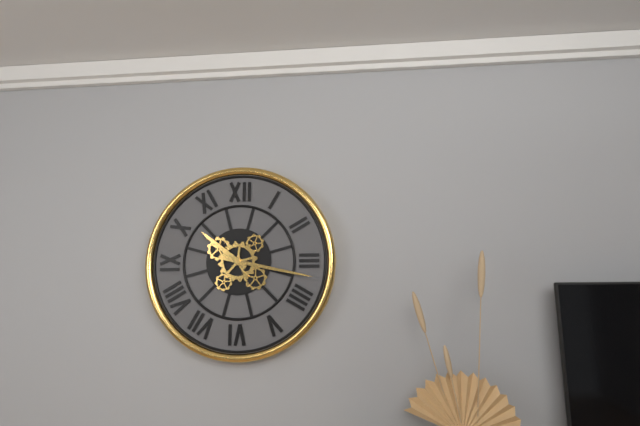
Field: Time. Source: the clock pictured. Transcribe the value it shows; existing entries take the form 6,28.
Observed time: 10,17
